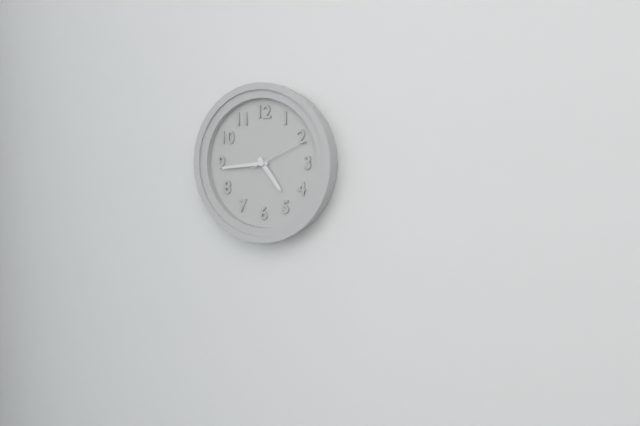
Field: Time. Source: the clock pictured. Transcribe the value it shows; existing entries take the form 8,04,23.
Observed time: 4,44,11
